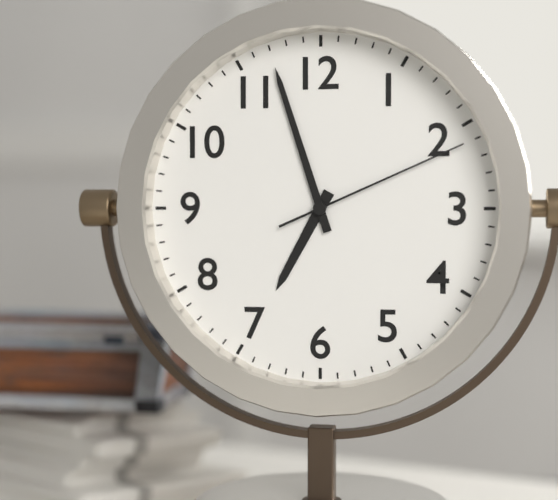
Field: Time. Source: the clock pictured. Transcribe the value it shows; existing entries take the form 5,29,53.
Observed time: 6,57,11
